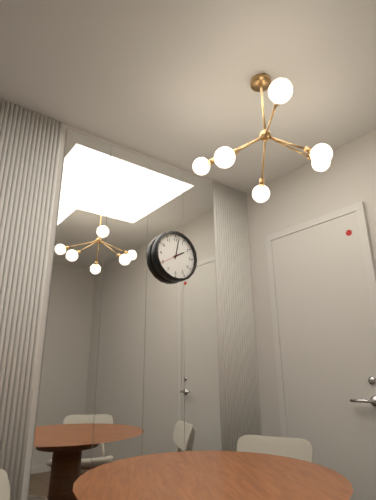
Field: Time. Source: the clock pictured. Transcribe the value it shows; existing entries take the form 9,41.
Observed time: 2,02
